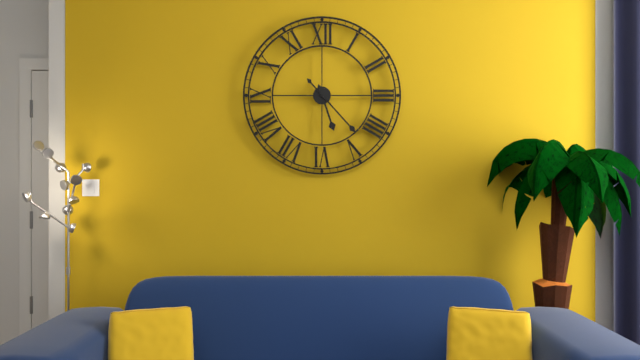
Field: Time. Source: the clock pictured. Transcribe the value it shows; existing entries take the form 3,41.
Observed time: 5,23
